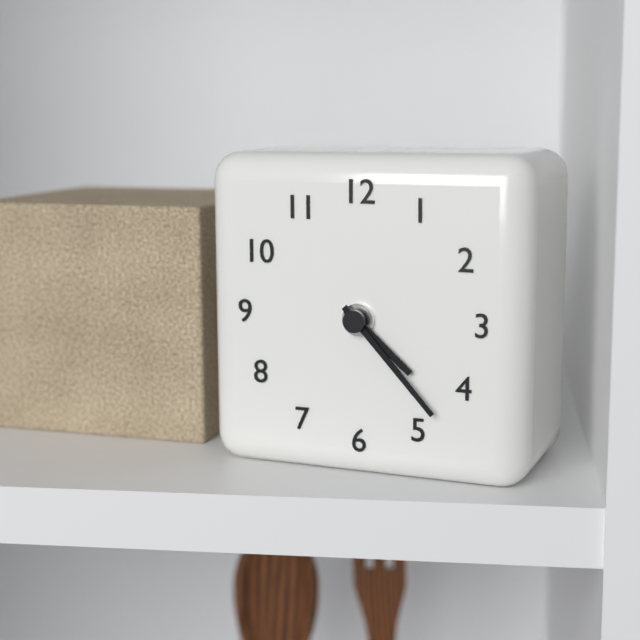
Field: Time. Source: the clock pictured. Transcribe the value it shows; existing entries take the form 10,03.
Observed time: 4,23
